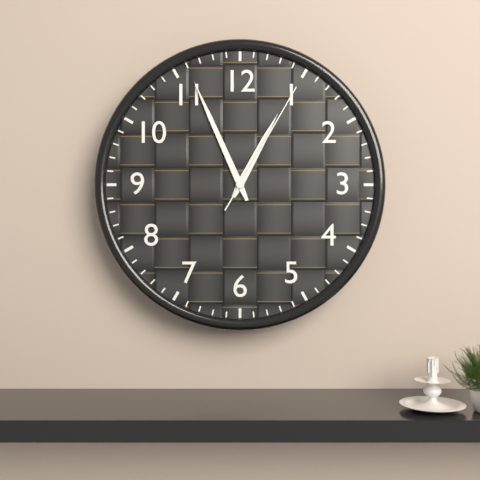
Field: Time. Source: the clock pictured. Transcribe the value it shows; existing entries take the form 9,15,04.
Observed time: 12,56,05
